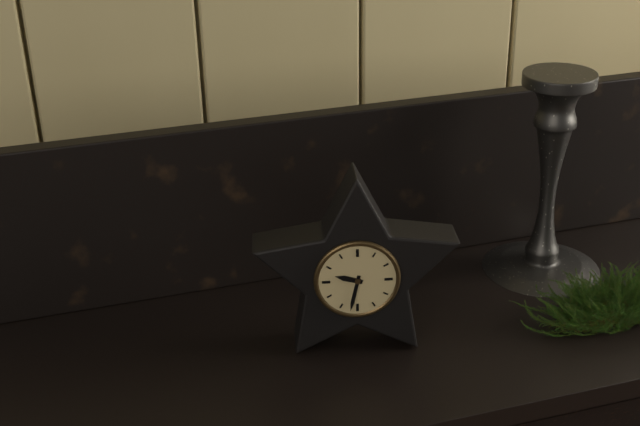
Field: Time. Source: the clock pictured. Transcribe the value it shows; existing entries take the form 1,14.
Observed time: 9,32
